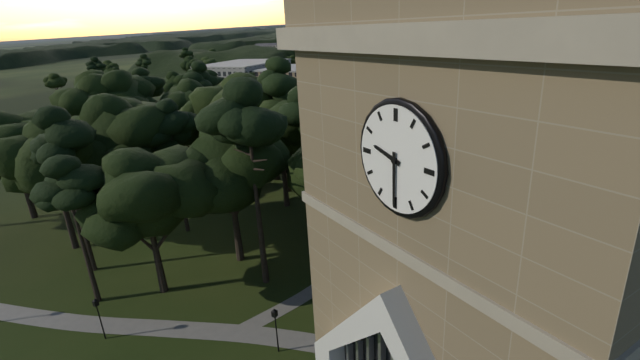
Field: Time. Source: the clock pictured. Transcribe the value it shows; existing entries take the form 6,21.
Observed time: 9,30
